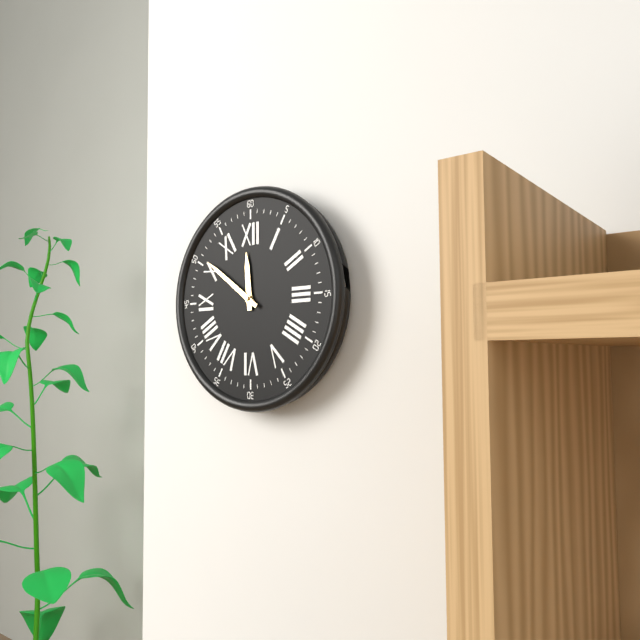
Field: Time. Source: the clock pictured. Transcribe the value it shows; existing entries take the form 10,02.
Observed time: 11,51
